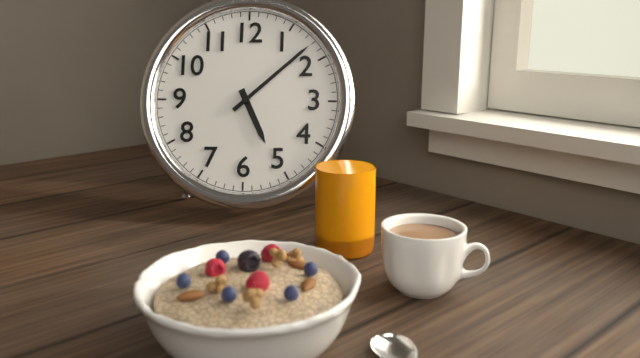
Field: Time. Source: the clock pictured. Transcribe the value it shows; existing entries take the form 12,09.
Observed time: 5,08
